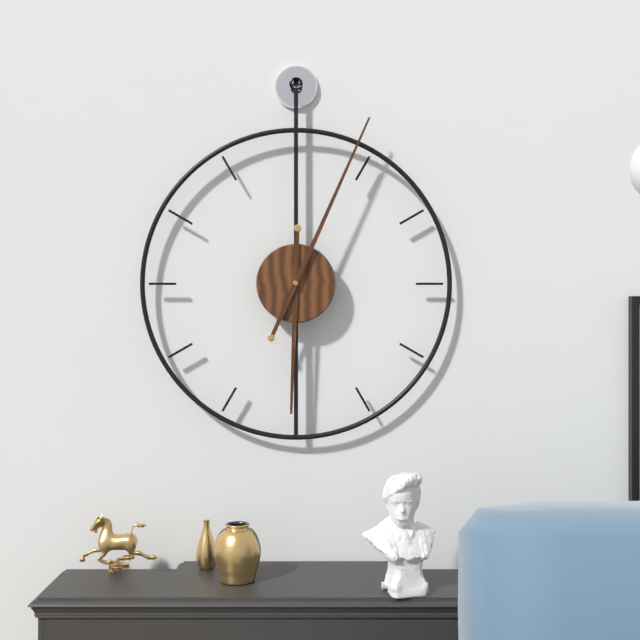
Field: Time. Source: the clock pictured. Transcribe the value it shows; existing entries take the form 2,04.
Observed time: 6,04
